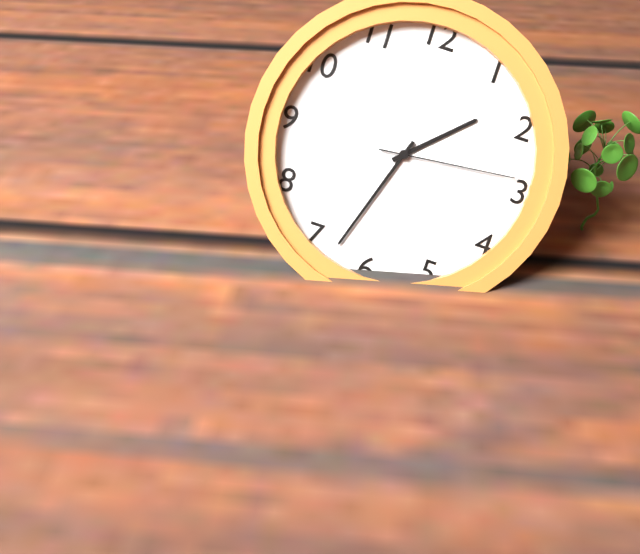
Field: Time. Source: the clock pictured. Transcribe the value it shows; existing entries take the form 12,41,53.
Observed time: 1,33,14
